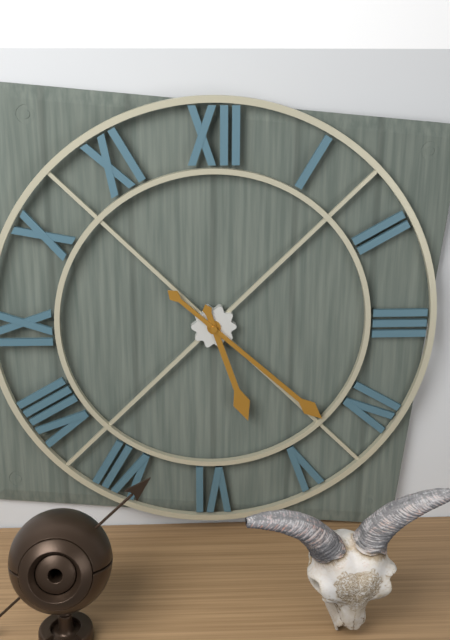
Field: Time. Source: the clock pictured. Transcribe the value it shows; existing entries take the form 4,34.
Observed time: 5,22
